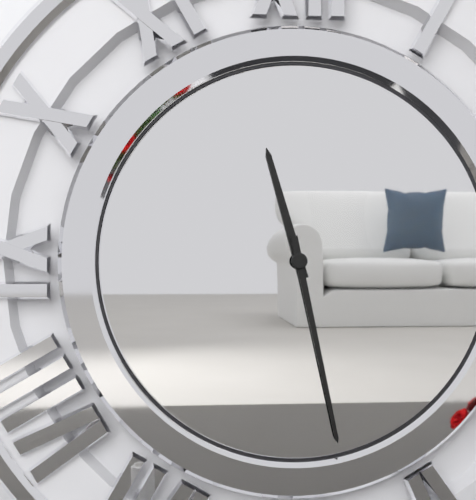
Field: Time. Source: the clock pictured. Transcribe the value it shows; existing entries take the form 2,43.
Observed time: 11,28
